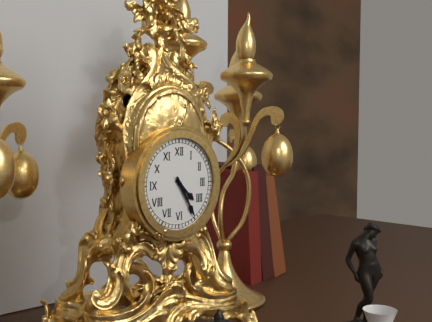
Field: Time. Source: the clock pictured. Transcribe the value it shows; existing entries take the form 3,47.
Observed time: 4,25
